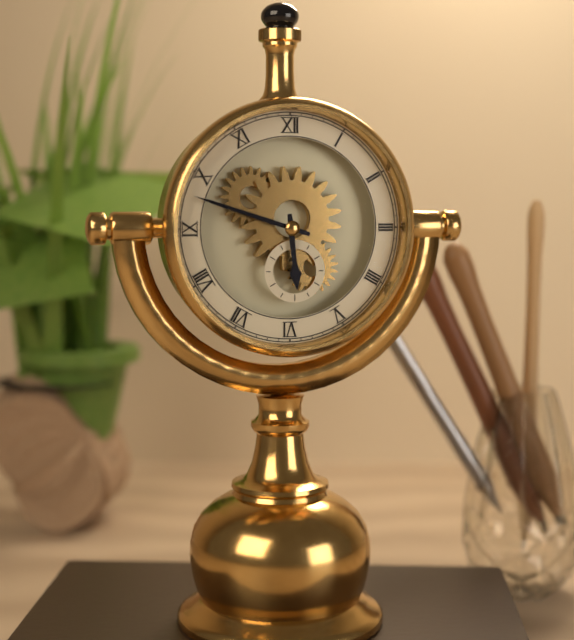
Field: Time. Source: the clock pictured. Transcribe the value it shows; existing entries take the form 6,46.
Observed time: 5,48
